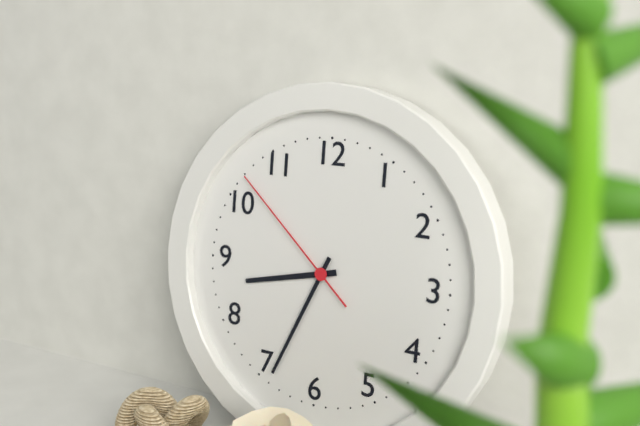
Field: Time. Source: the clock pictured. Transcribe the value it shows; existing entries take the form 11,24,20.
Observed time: 8,34,52
